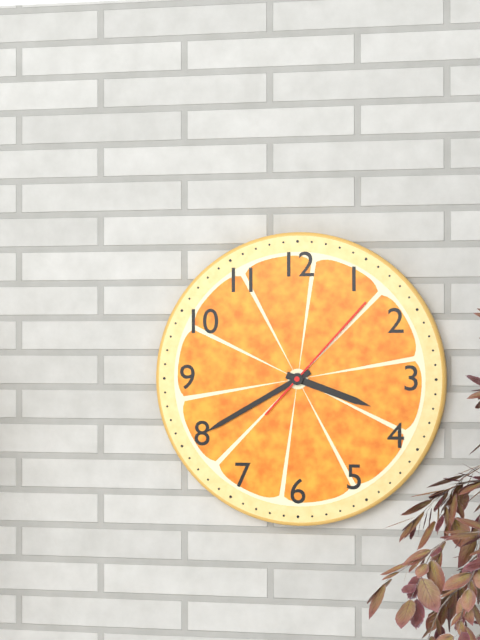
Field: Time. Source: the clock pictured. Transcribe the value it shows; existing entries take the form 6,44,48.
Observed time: 3,40,07
